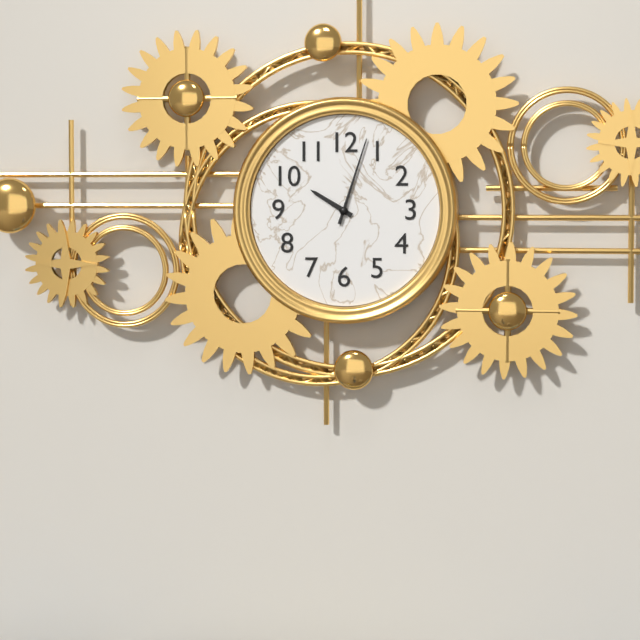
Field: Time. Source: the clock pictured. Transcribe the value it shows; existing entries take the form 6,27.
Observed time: 10,03
